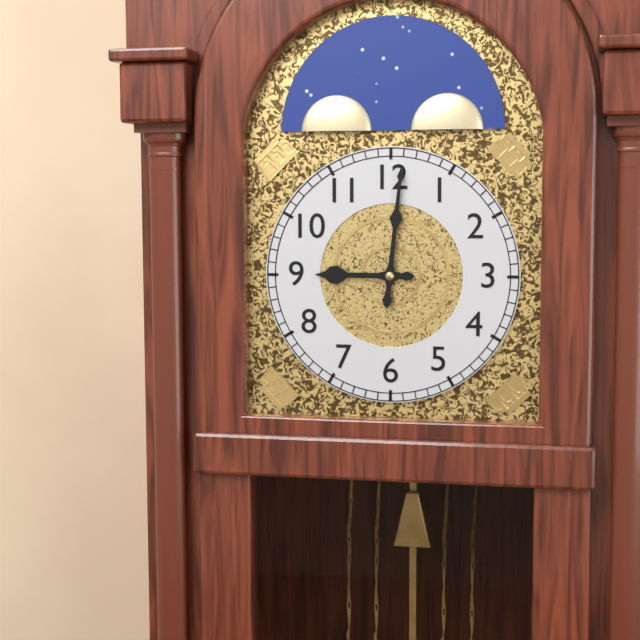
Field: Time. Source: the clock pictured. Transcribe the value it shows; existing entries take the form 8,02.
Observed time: 9,01
